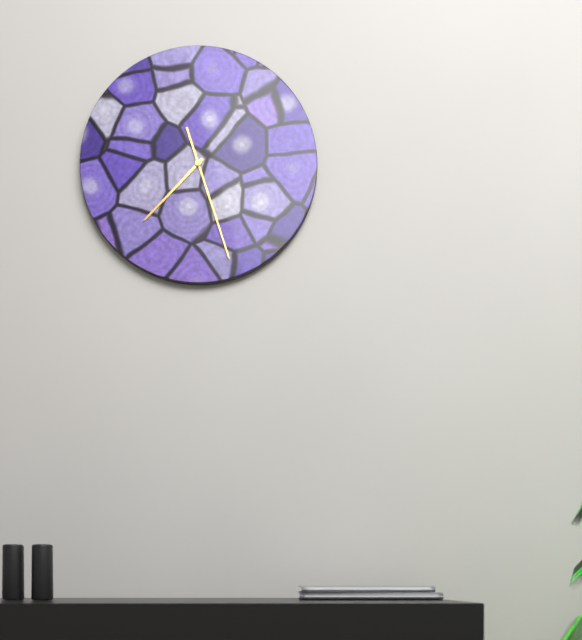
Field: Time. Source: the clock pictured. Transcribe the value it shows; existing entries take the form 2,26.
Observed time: 7,27
